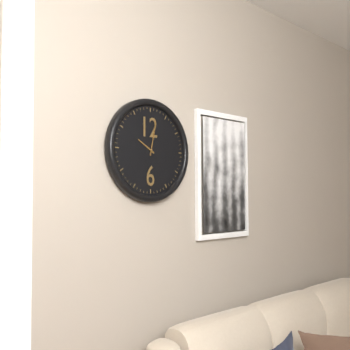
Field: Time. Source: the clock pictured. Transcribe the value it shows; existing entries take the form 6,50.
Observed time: 10,02
